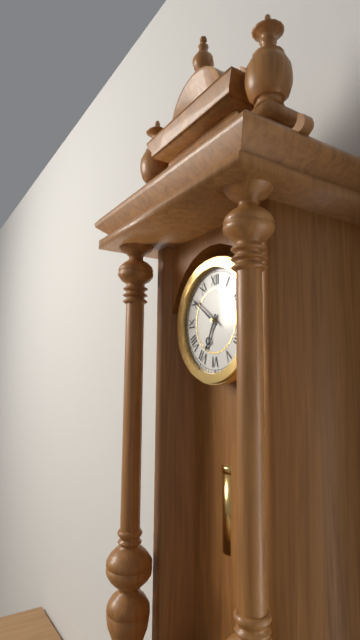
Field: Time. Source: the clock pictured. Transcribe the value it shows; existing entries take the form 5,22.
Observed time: 6,51
